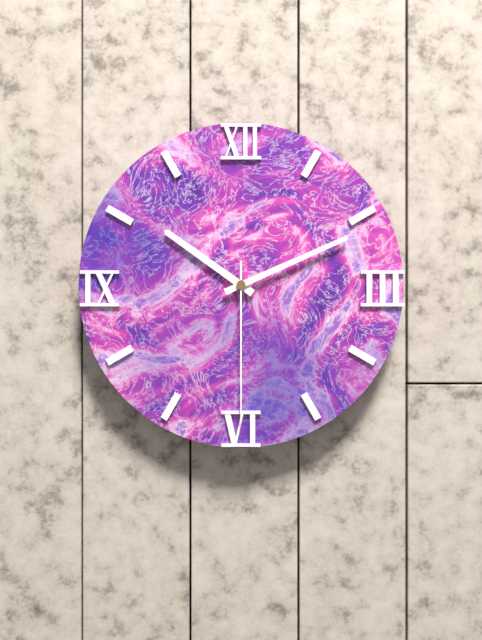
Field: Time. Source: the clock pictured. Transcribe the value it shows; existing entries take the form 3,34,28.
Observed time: 10,11,30
